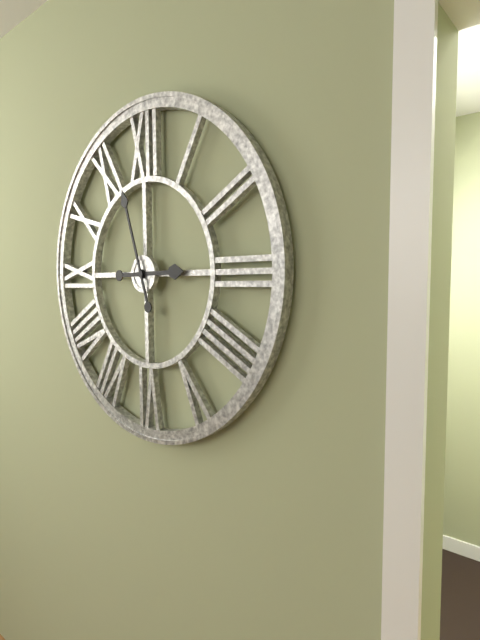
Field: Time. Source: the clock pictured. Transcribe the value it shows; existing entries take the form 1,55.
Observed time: 2,57
